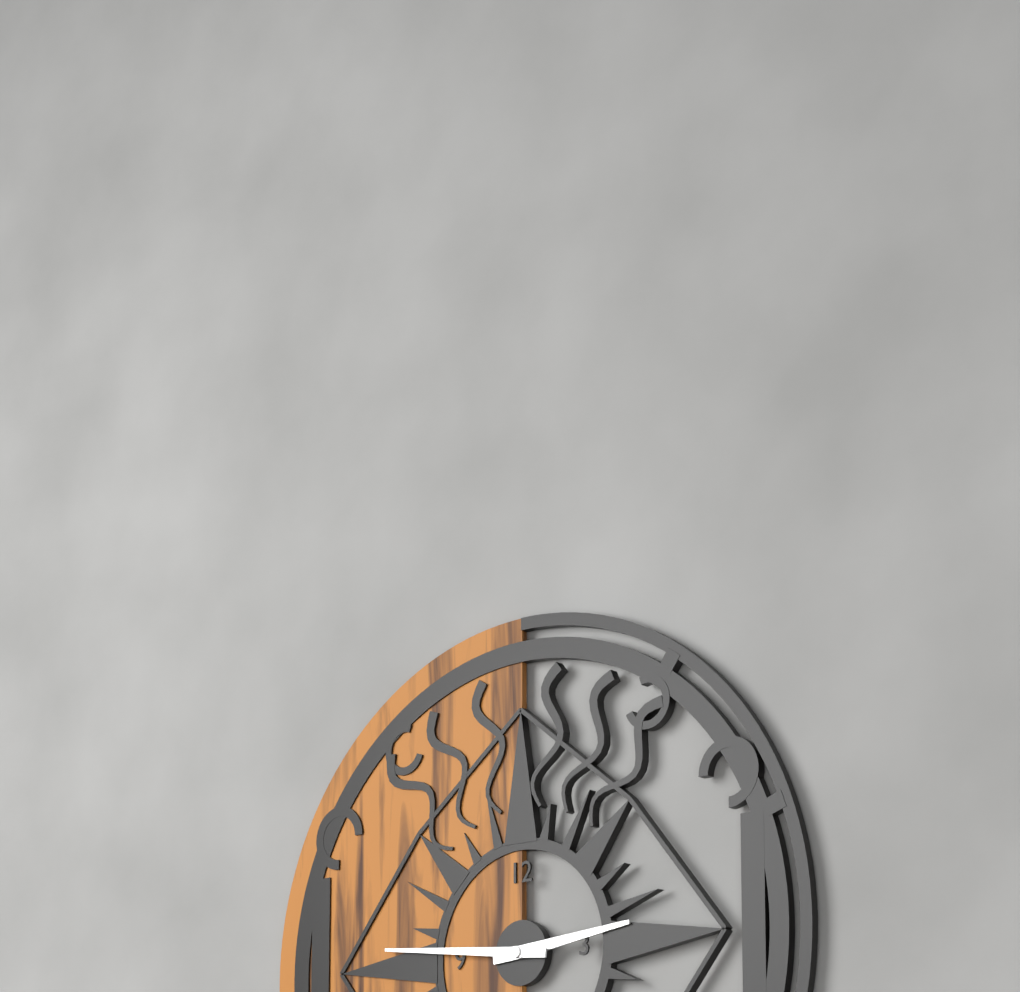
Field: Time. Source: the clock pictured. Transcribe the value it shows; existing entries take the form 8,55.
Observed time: 2,46
